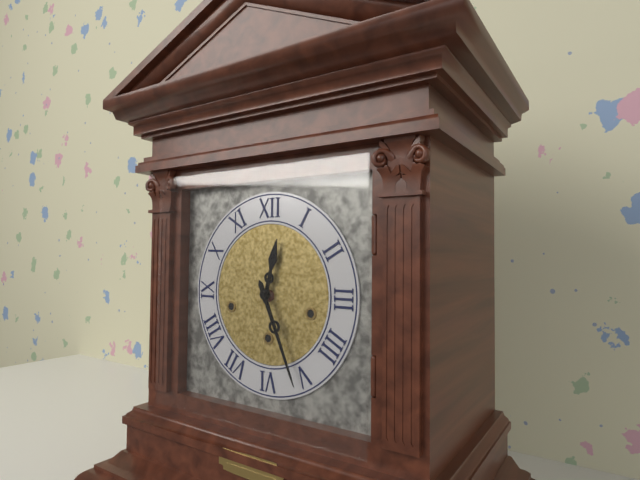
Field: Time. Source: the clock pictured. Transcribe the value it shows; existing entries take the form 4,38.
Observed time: 12,26
